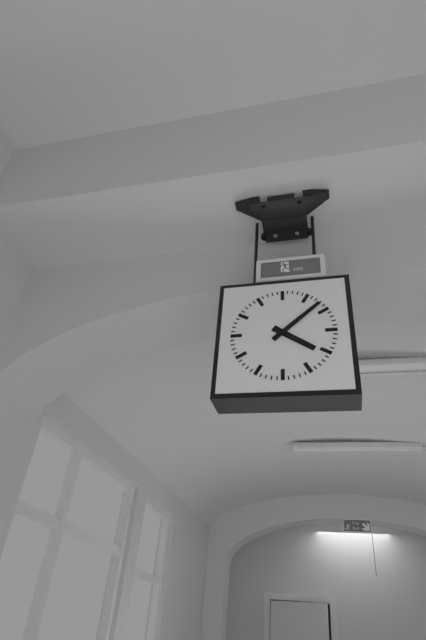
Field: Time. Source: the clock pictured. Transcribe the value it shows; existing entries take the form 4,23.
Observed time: 4,08
